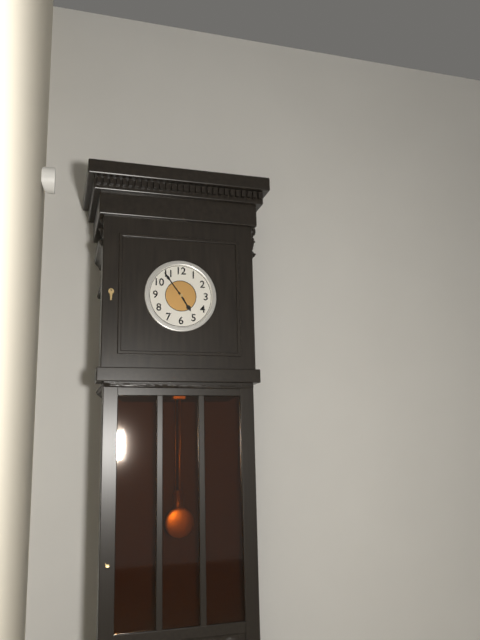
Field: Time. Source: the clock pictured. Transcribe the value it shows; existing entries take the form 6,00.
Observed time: 4,54
